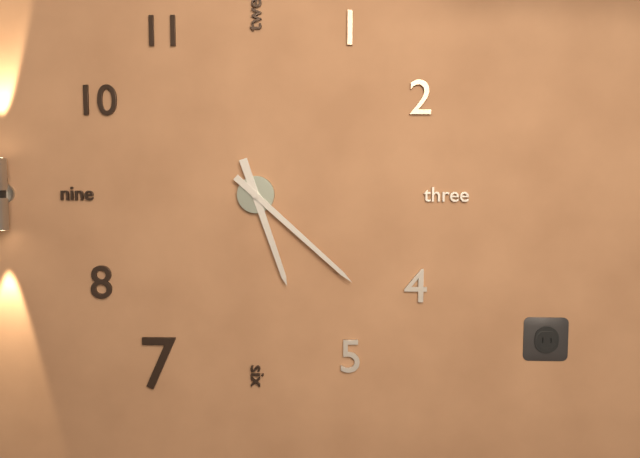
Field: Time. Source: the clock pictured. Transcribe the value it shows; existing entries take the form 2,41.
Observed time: 5,22
